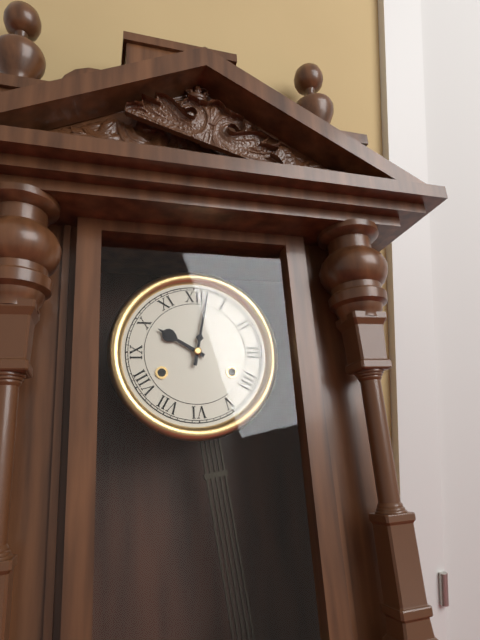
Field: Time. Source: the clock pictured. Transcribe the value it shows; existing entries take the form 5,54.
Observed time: 10,02
